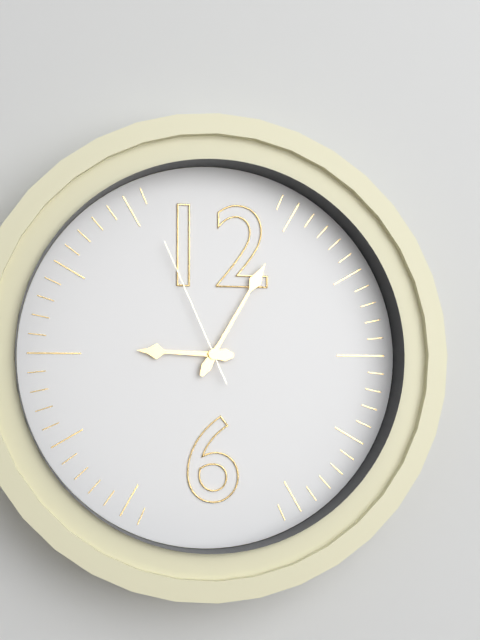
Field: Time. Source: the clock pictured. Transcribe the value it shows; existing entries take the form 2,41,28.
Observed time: 9,05,56
